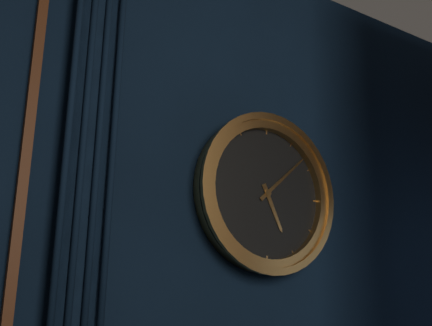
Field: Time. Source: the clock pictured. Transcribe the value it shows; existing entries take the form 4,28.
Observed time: 5,08
